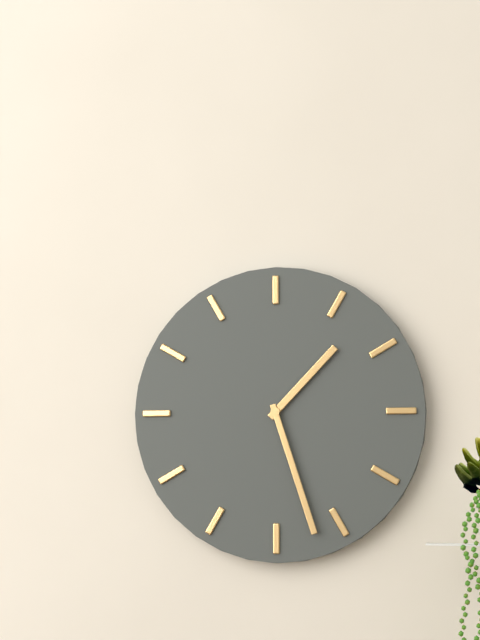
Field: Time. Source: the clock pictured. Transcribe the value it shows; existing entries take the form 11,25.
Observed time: 1,27
